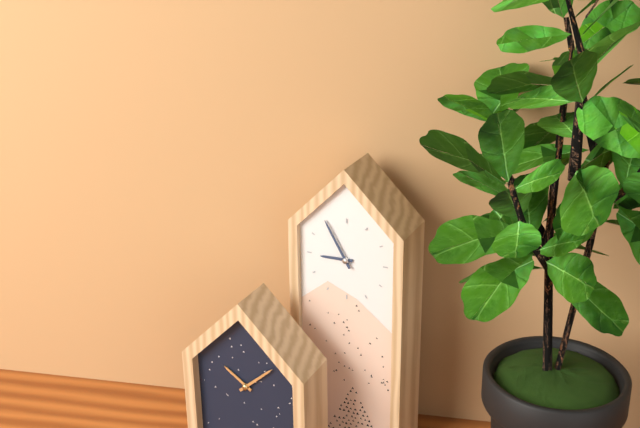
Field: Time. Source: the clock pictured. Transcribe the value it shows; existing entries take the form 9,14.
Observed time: 8,55
